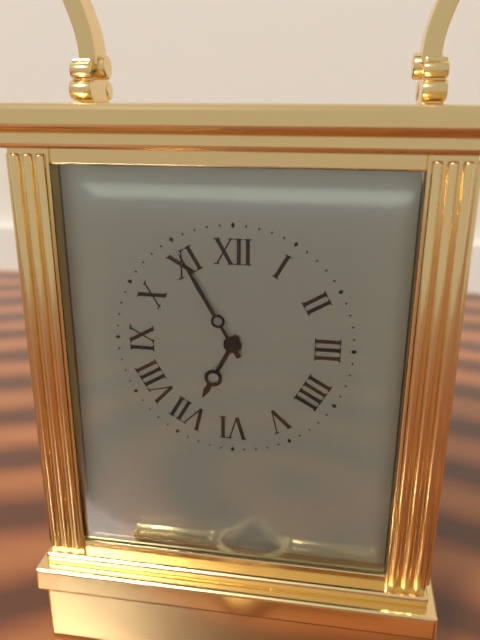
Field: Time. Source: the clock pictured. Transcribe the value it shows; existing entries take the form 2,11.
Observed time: 6,55
